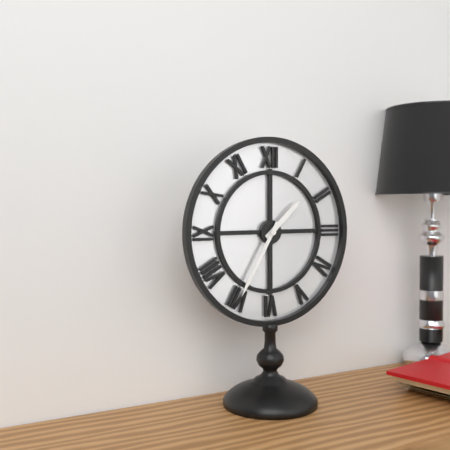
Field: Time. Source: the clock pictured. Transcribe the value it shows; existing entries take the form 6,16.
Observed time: 1,35
